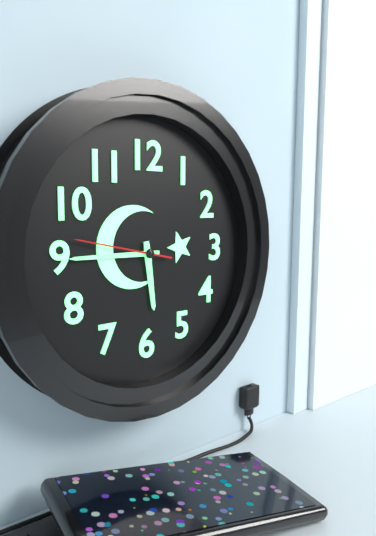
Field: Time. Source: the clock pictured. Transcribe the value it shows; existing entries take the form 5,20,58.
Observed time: 5,45,47
